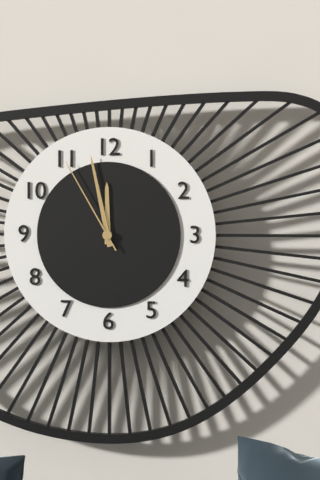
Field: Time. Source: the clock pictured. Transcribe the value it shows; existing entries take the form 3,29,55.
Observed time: 11,58,55
